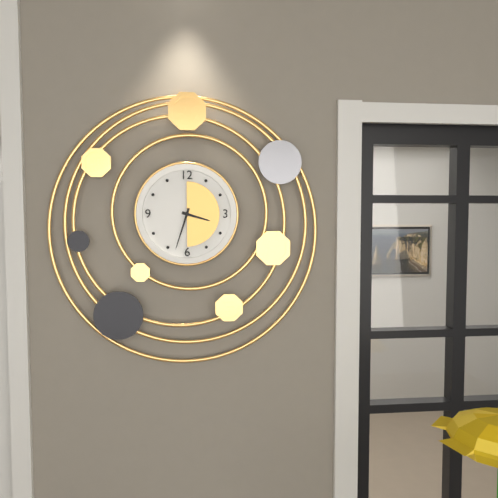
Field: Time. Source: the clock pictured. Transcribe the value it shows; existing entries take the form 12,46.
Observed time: 3,33
